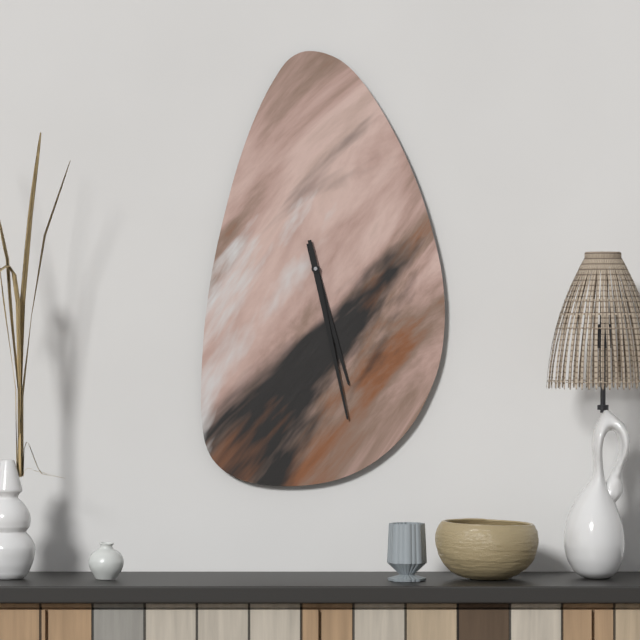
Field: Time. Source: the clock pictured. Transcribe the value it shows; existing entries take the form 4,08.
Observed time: 5,28
